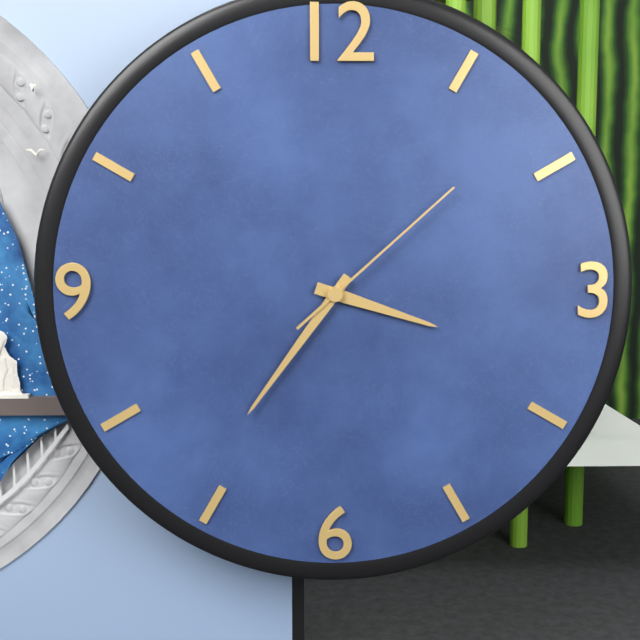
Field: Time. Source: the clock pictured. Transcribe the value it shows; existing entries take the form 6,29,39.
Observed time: 3,36,08
